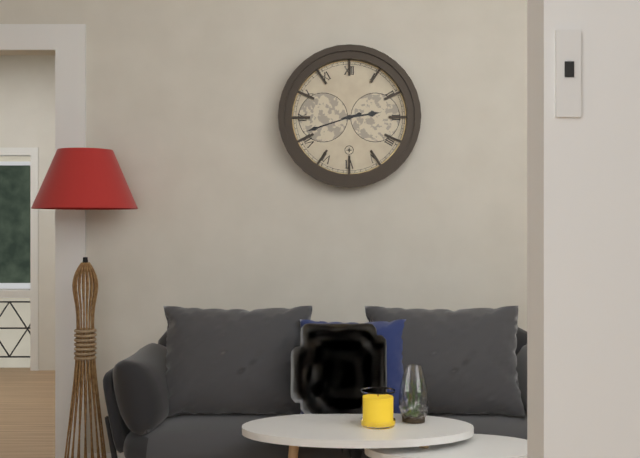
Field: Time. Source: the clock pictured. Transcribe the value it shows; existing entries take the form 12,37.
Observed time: 2,42
